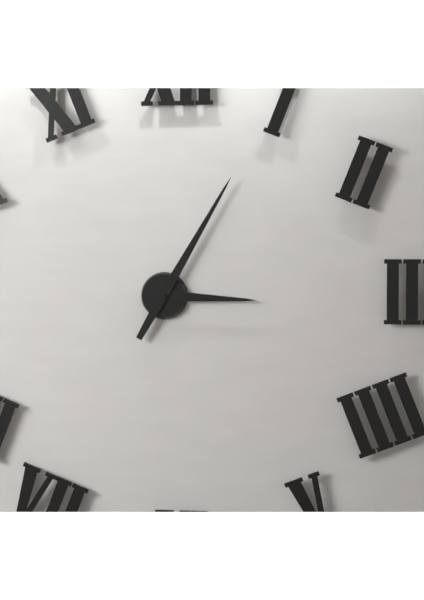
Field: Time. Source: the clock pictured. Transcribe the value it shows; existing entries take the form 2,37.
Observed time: 3,05
